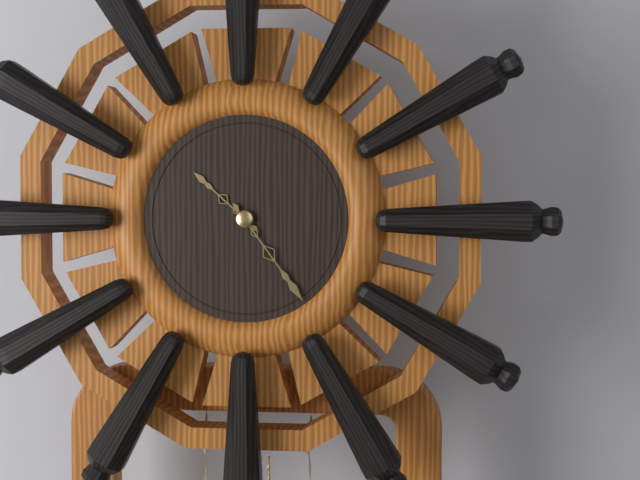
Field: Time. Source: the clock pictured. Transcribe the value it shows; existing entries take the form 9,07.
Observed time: 10,24
